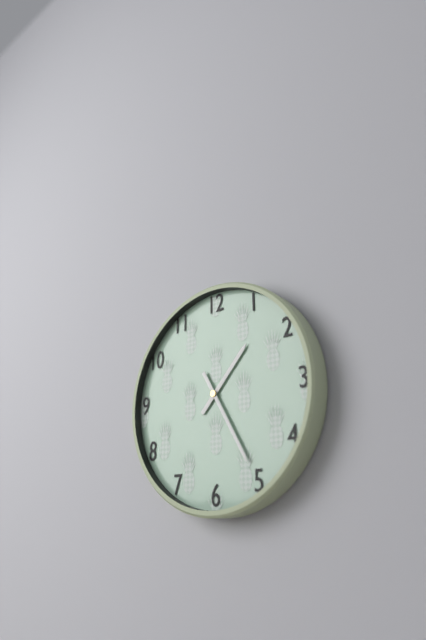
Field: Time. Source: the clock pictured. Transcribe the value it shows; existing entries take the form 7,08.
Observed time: 1,25
